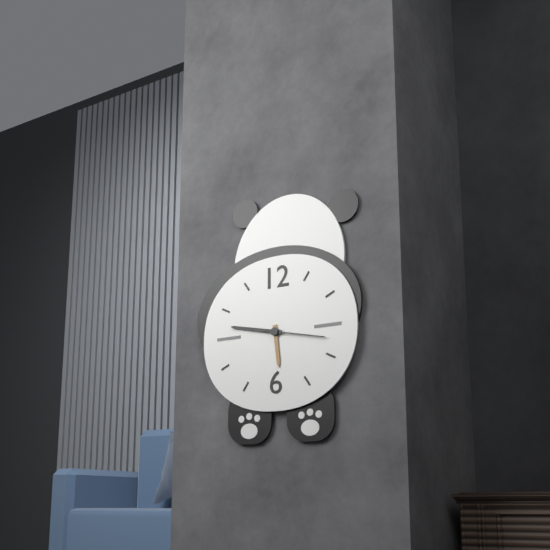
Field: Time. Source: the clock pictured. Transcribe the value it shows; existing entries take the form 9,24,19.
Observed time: 5,47,17
